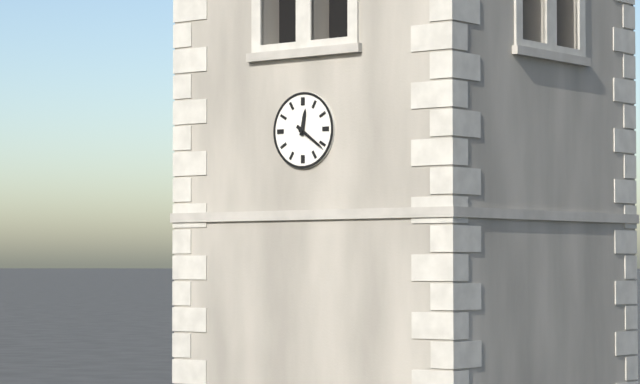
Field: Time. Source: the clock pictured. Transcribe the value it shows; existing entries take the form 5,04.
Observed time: 12,21
